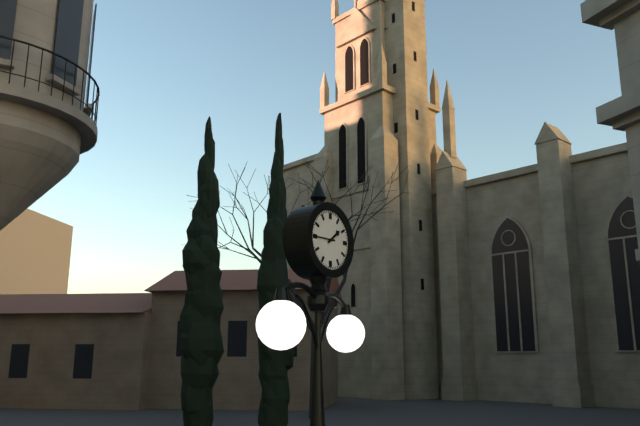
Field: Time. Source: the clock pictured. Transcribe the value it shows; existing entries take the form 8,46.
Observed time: 1,45
